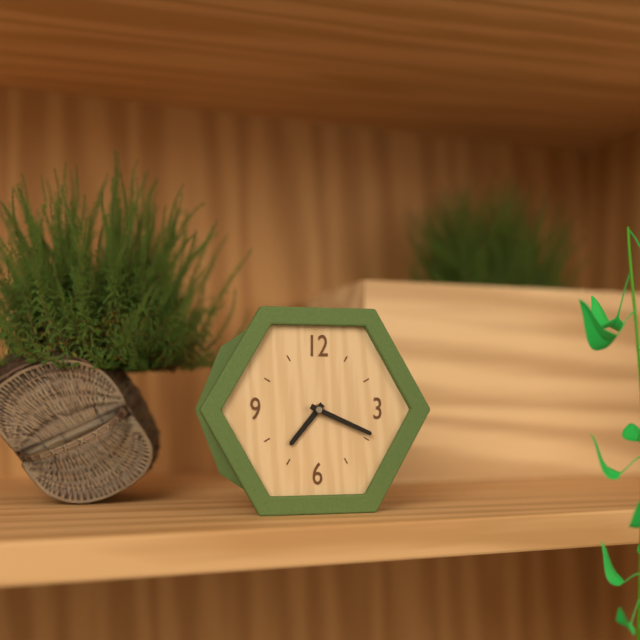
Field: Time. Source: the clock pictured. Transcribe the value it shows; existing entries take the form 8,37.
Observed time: 7,19
